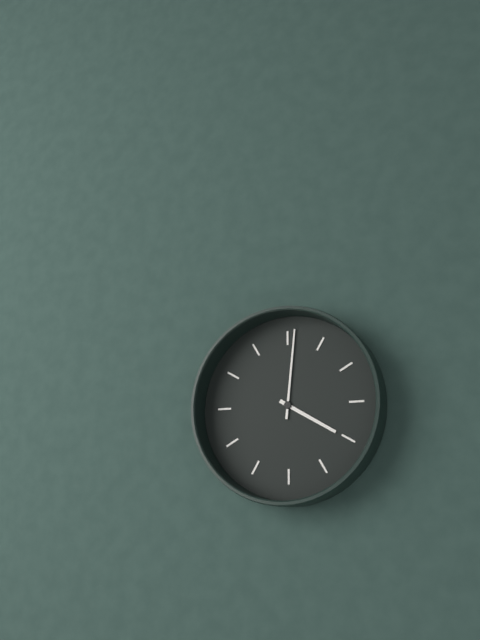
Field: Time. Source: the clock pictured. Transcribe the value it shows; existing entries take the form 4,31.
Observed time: 4,01
